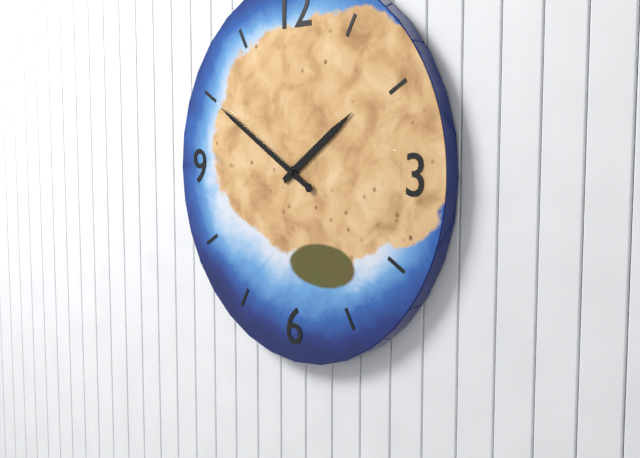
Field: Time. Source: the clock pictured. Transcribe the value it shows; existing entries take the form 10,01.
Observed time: 1,50
